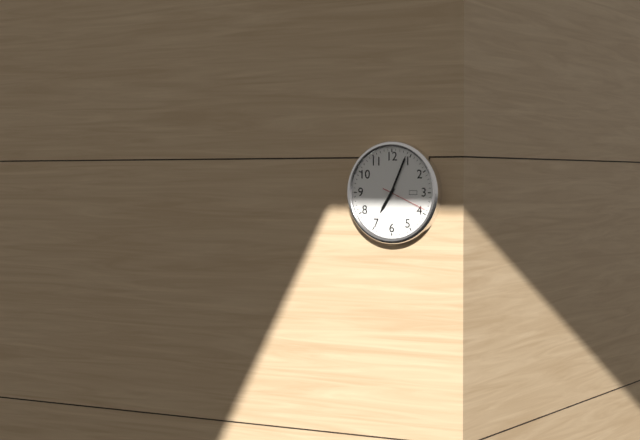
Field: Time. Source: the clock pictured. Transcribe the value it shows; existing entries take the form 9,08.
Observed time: 7,04
